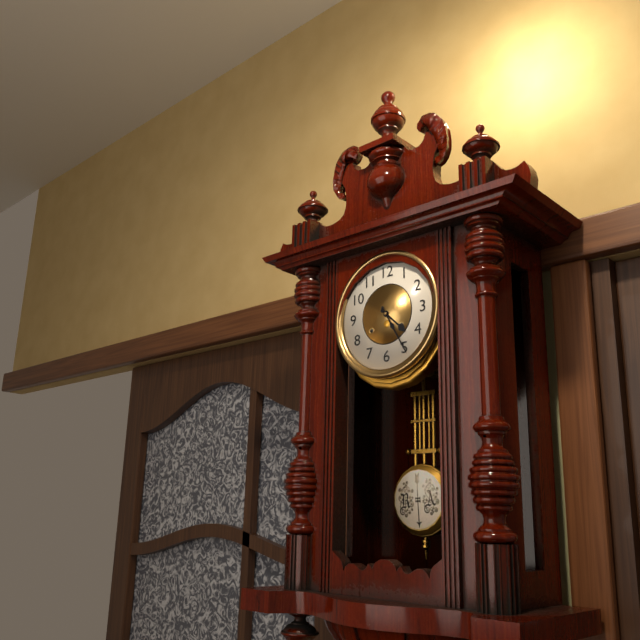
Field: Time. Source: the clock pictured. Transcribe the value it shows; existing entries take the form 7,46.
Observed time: 4,25
